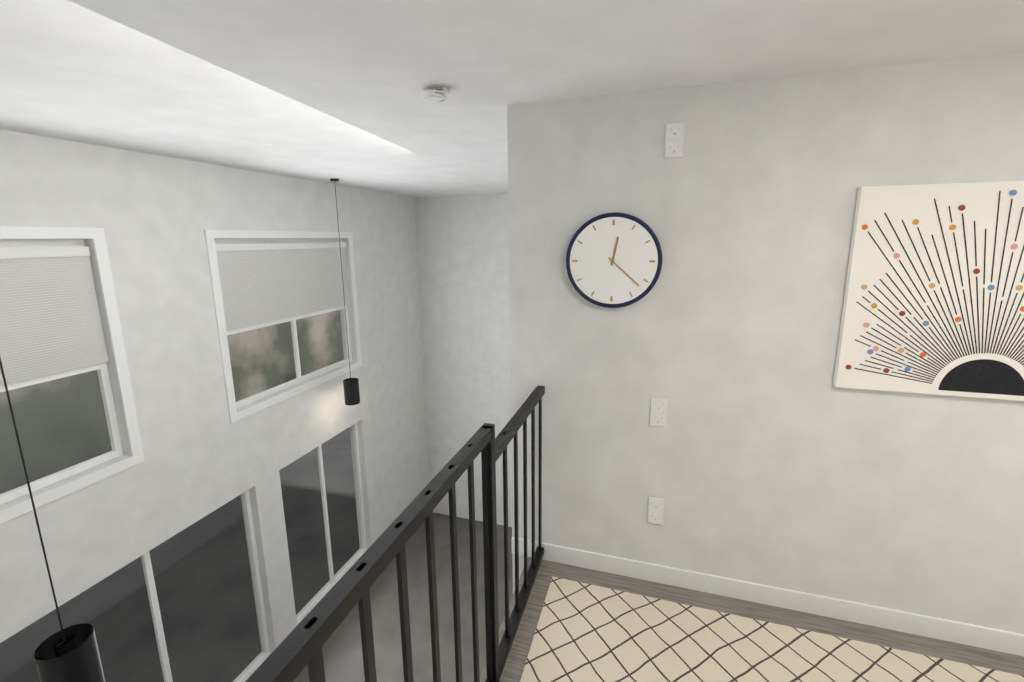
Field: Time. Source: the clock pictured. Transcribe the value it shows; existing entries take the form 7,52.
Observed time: 12,22
